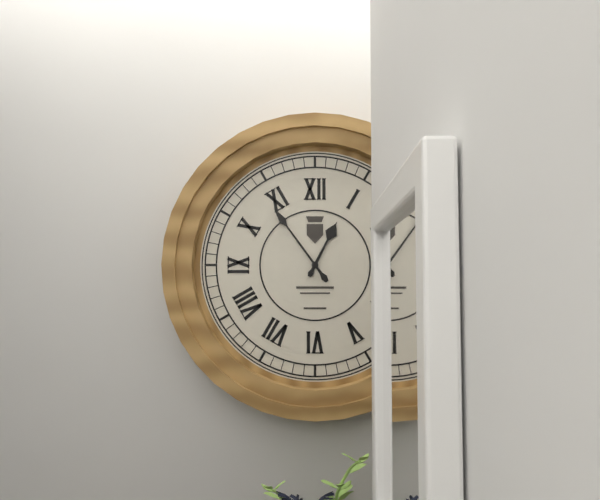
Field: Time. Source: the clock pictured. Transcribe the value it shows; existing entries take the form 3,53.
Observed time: 12,54
